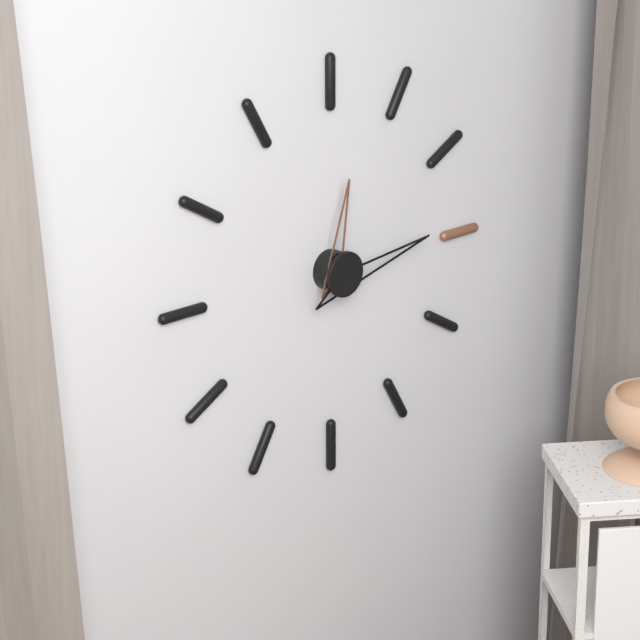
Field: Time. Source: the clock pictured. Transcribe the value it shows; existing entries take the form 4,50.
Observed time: 12,14
